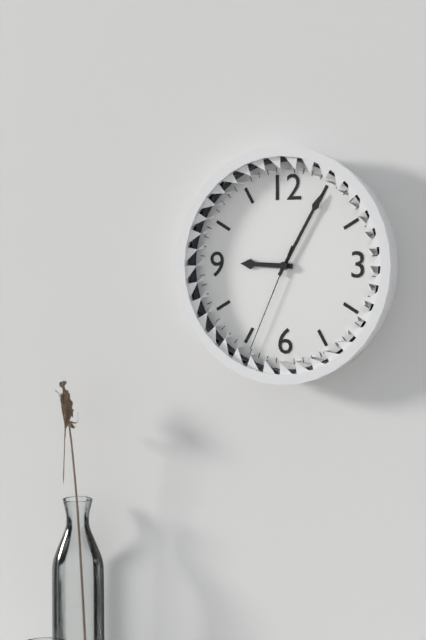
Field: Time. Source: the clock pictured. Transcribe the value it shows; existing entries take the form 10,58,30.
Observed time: 9,05,34
